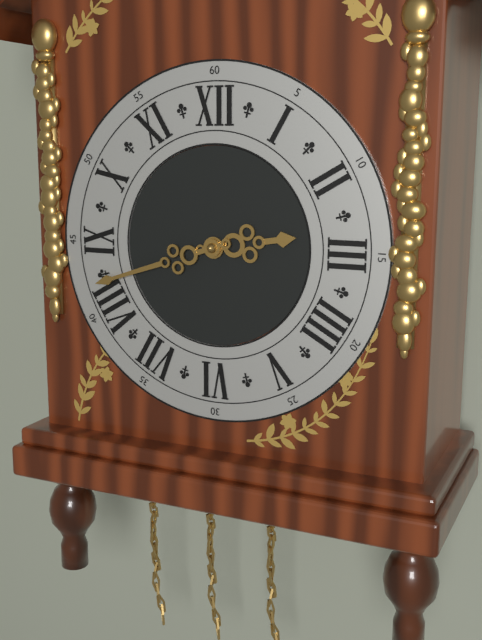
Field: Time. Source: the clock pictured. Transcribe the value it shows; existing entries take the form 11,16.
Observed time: 2,42
